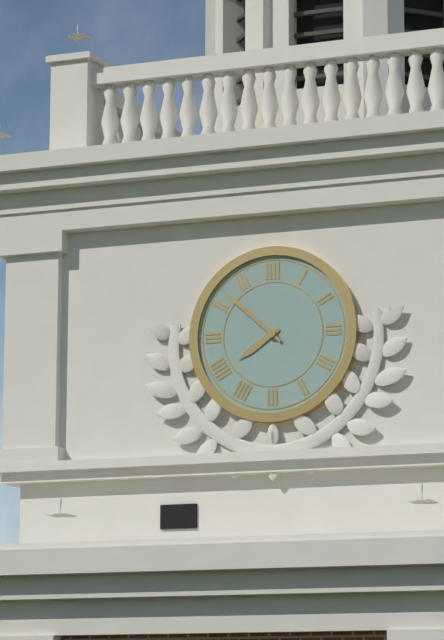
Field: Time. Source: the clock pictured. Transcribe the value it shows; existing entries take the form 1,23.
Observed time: 7,52
